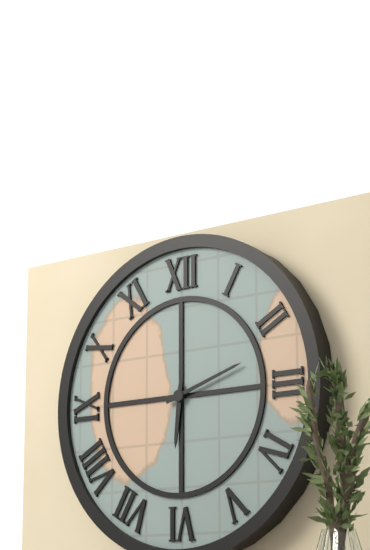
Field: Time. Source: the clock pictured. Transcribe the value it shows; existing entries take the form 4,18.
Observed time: 6,12
